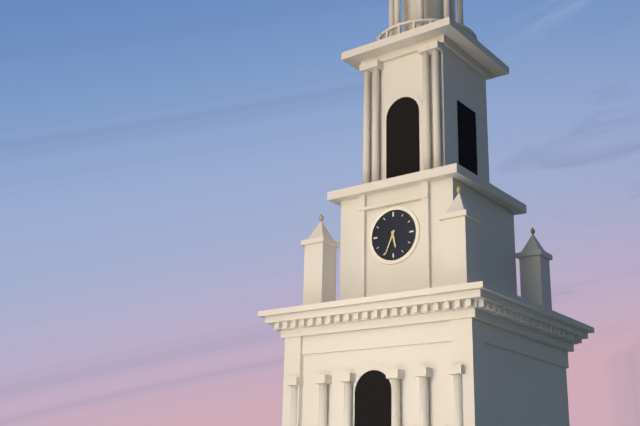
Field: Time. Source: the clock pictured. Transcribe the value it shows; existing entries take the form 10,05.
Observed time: 5,34
